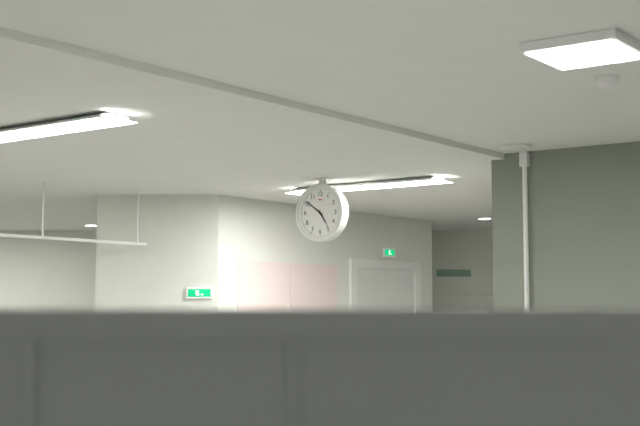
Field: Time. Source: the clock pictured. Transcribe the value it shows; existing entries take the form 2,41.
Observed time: 4,51
